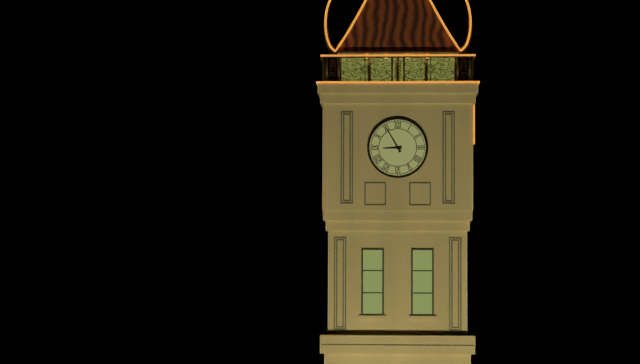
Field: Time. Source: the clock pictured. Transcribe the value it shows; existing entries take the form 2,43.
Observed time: 8,55
